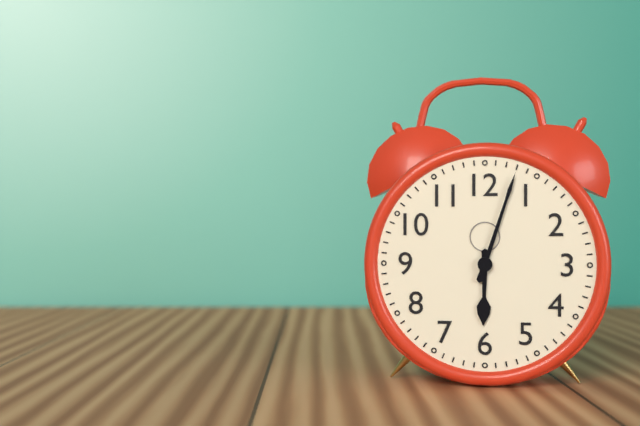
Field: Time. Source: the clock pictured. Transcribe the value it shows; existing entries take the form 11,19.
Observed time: 6,03
